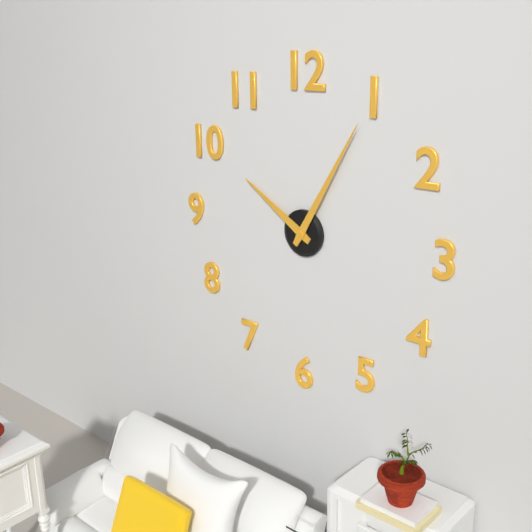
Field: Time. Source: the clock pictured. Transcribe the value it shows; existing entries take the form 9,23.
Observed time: 10,05
